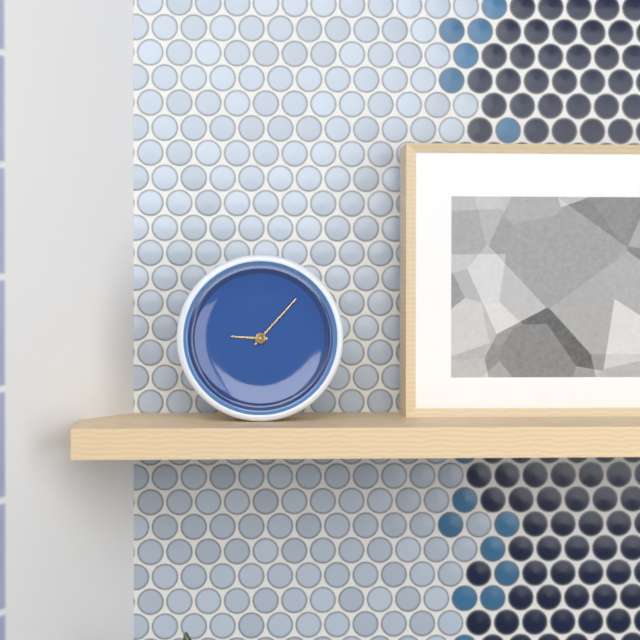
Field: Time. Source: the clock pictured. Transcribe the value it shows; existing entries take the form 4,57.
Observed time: 9,07
